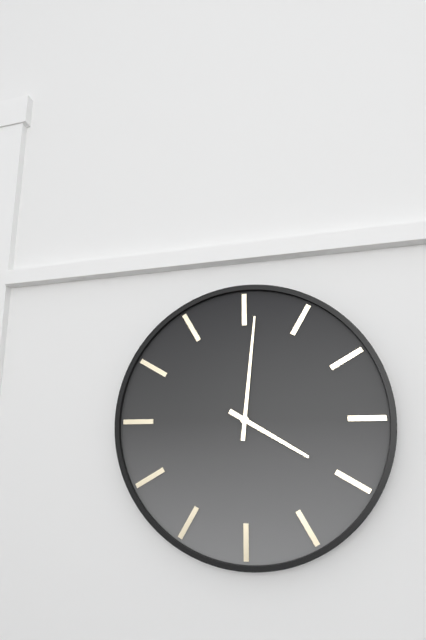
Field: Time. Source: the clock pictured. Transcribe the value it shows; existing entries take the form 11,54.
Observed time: 4,01
